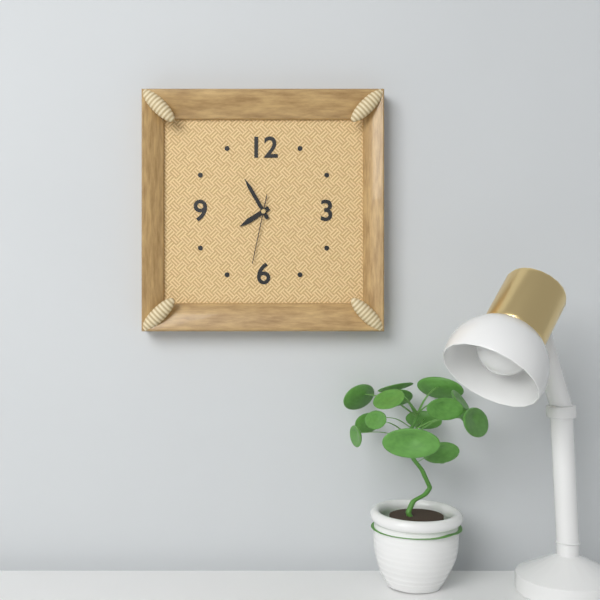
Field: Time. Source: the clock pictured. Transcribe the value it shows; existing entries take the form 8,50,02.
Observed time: 7,55,32
